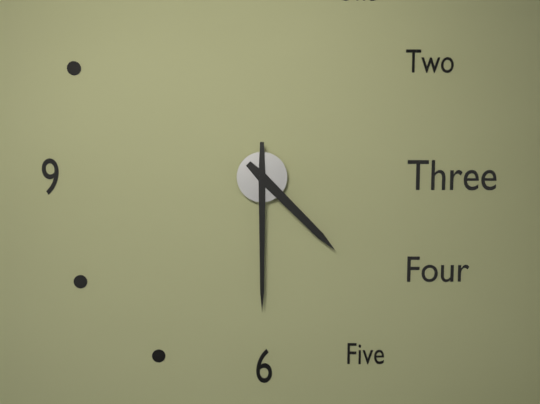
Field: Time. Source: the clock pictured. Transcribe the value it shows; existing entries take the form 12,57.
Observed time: 4,30
